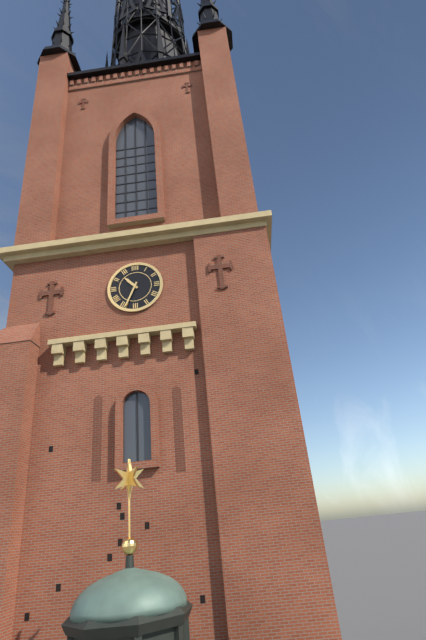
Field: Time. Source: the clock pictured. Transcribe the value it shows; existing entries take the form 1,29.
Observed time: 10,34
